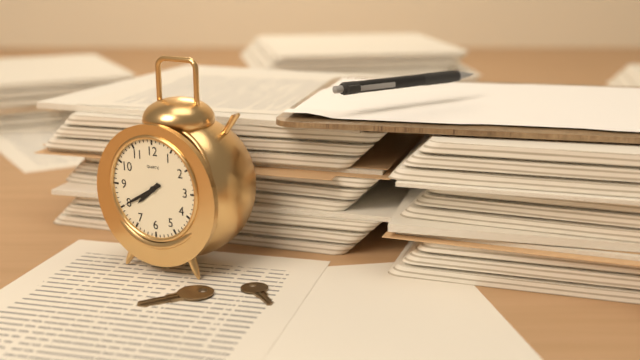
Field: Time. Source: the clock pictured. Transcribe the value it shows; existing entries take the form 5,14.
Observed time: 7,40
